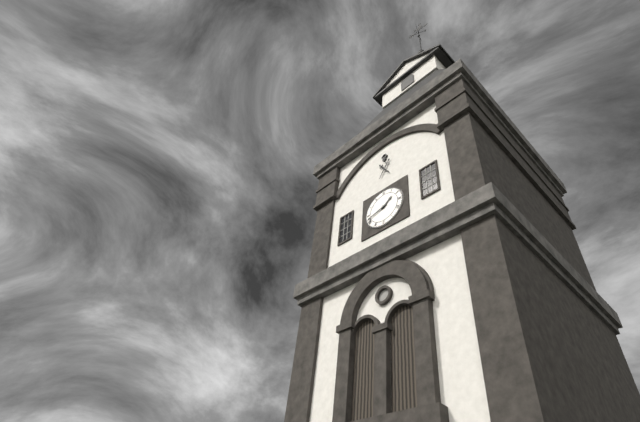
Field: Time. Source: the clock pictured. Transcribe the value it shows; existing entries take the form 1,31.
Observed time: 1,42
